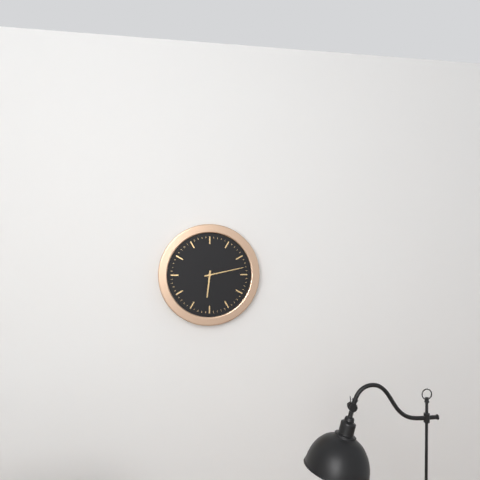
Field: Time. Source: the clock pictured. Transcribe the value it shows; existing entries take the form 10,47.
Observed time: 6,13
